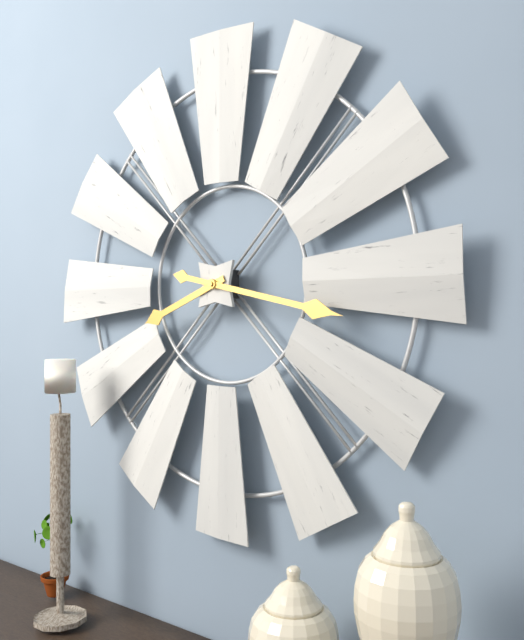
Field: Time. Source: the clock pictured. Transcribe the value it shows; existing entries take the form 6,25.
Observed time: 8,17
